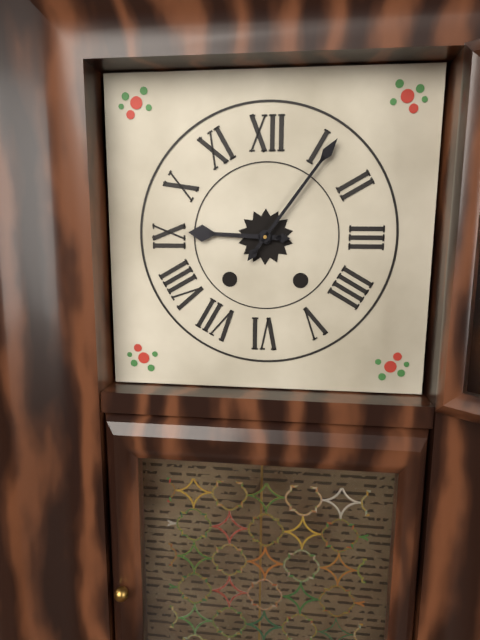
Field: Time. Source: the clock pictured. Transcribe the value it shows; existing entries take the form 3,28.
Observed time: 9,06
